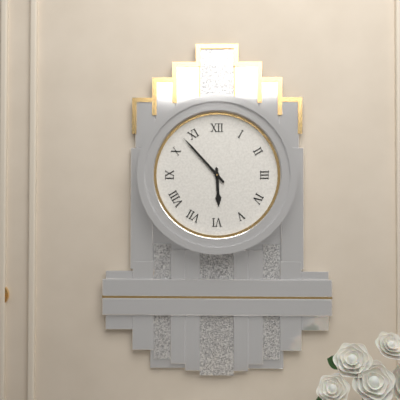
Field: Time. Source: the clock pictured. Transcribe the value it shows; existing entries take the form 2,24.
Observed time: 5,53
